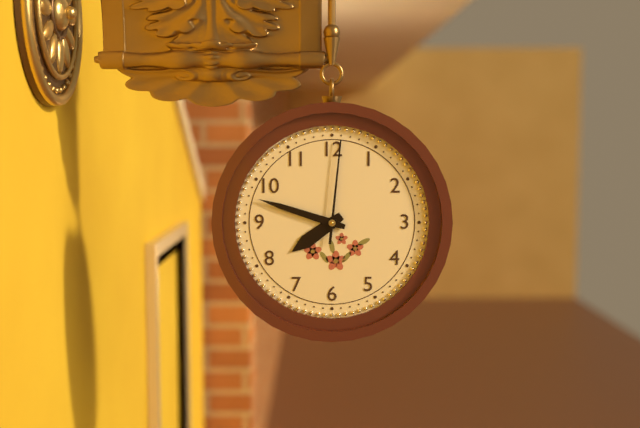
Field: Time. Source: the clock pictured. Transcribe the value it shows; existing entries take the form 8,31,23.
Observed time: 7,48,01
